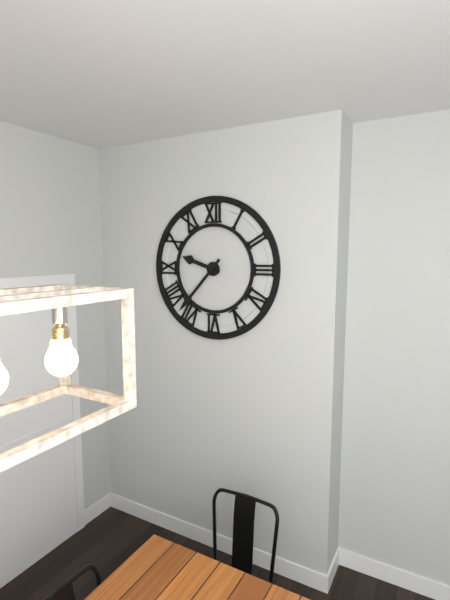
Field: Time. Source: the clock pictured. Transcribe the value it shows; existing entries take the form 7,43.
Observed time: 9,37
